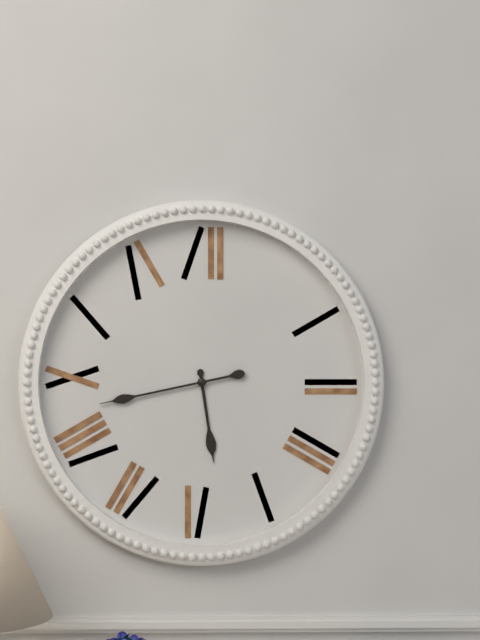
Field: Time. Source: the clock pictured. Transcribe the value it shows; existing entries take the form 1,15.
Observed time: 5,43
